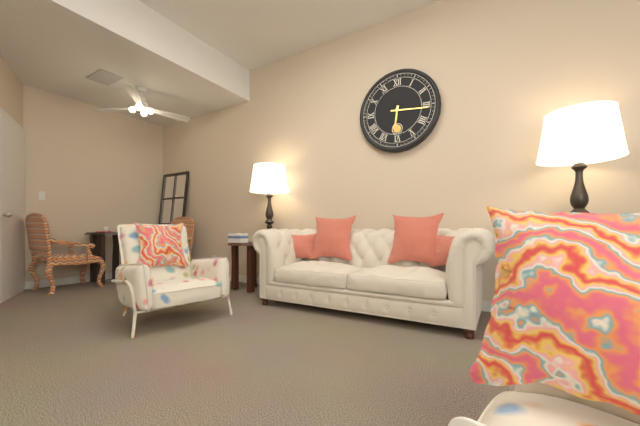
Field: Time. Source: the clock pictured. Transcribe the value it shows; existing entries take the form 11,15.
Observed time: 6,16
